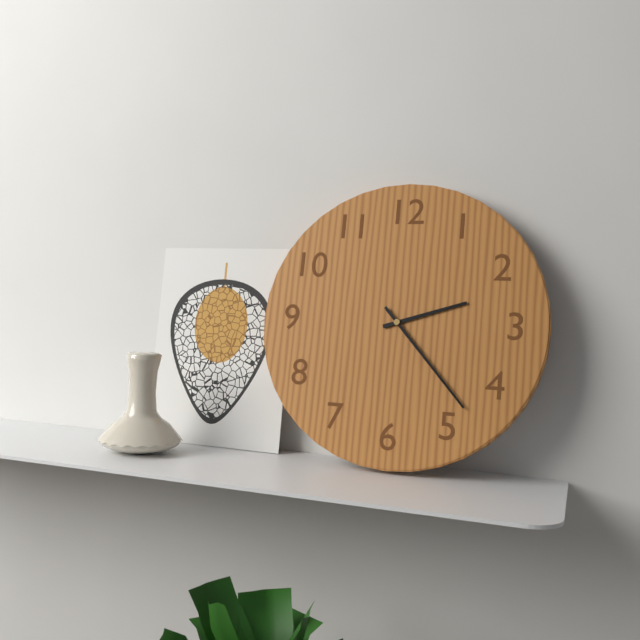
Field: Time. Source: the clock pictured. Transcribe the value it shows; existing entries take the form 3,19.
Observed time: 2,23
